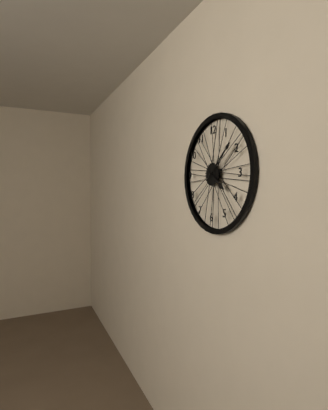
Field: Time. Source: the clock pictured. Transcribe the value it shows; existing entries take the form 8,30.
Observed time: 4,08
